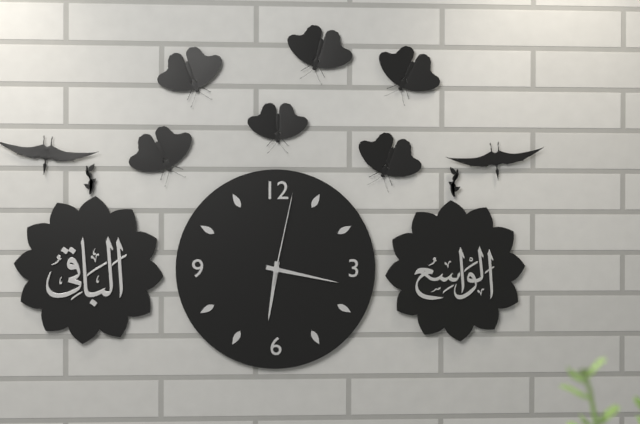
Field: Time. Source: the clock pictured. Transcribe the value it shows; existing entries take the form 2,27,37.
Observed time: 6,17,02
